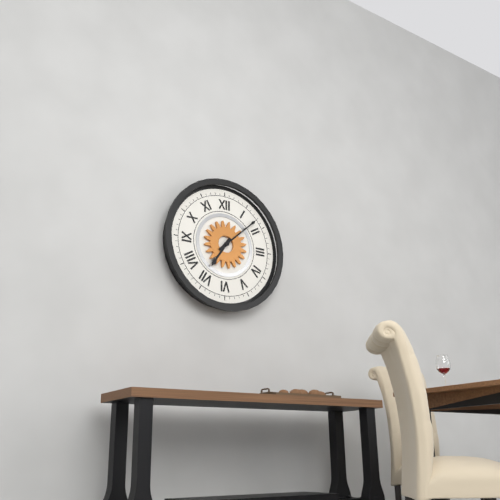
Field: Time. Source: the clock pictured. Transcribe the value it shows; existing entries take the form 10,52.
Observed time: 7,08
